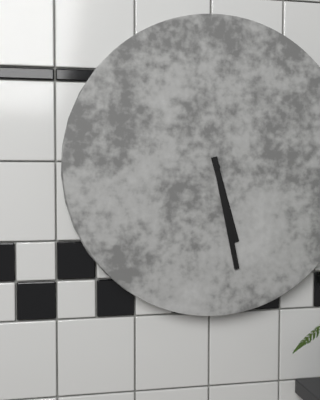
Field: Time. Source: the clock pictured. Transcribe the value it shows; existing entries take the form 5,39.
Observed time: 5,28
